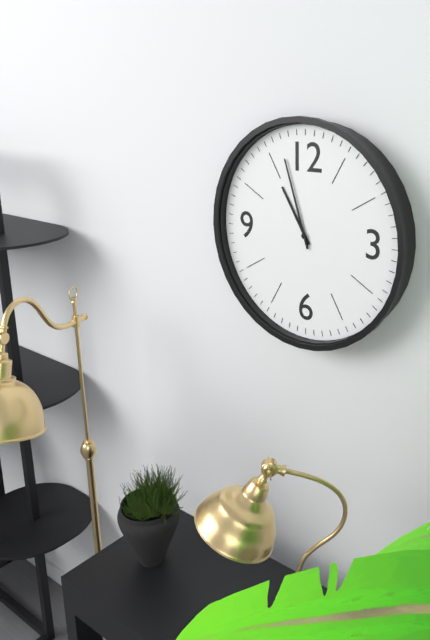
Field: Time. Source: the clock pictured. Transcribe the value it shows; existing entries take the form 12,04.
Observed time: 10,57
